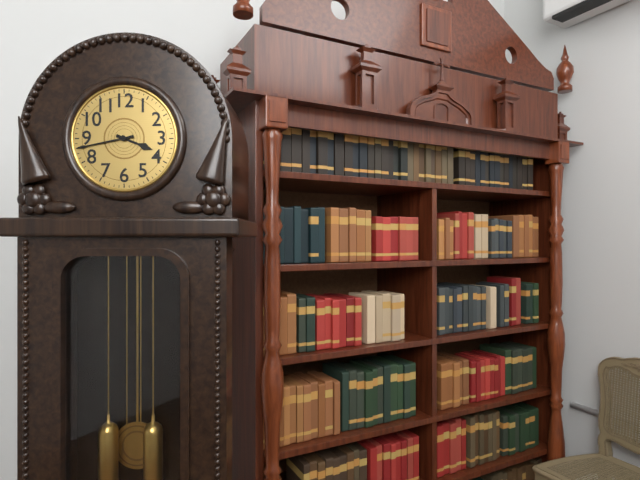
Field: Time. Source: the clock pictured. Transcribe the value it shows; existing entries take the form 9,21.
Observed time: 3,43
